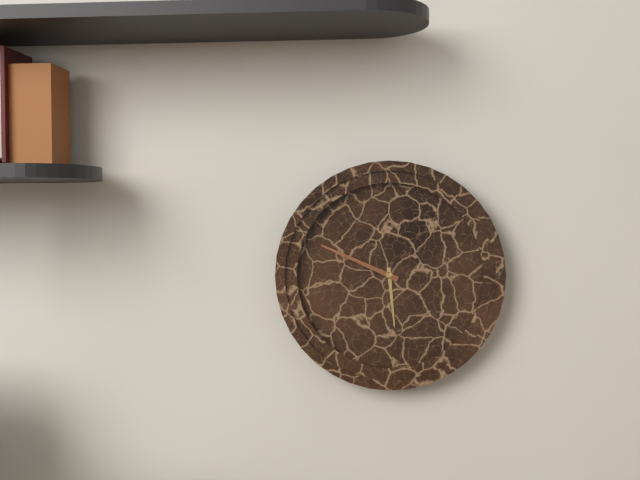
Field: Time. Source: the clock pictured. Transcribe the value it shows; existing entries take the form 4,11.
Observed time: 5,49
